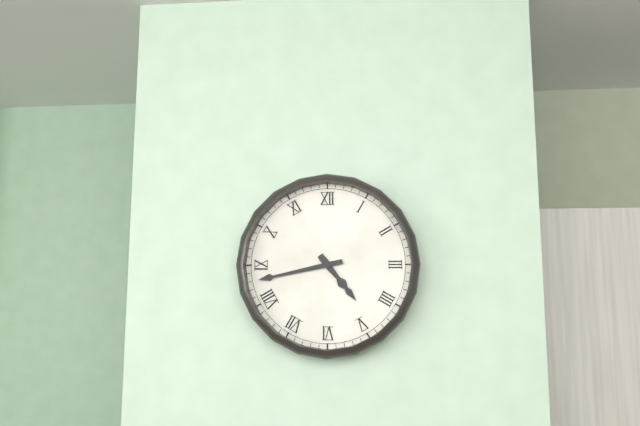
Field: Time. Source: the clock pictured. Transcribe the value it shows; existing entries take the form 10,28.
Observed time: 4,43
